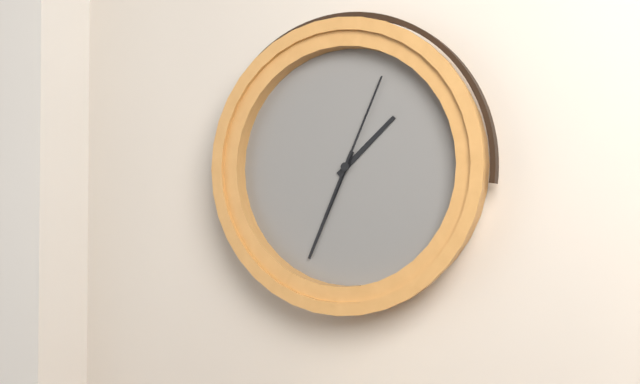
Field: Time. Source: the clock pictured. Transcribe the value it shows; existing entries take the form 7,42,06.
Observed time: 1,34,04
